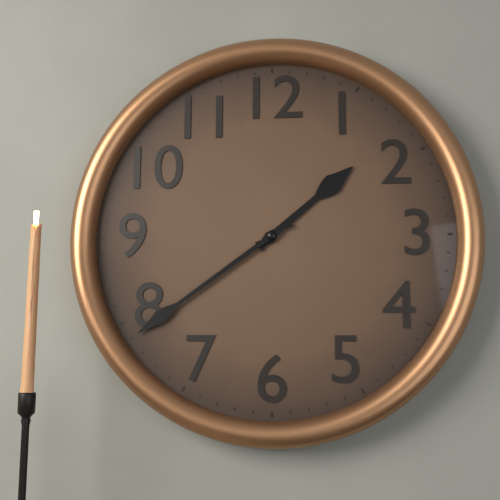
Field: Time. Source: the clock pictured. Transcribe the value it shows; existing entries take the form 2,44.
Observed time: 1,39
